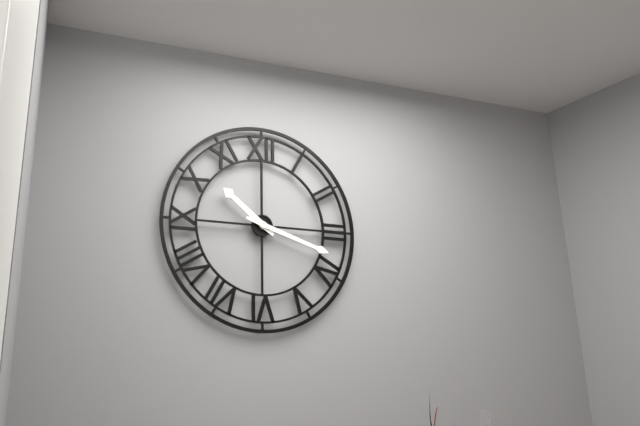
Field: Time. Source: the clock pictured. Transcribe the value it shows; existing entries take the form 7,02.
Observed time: 10,18
